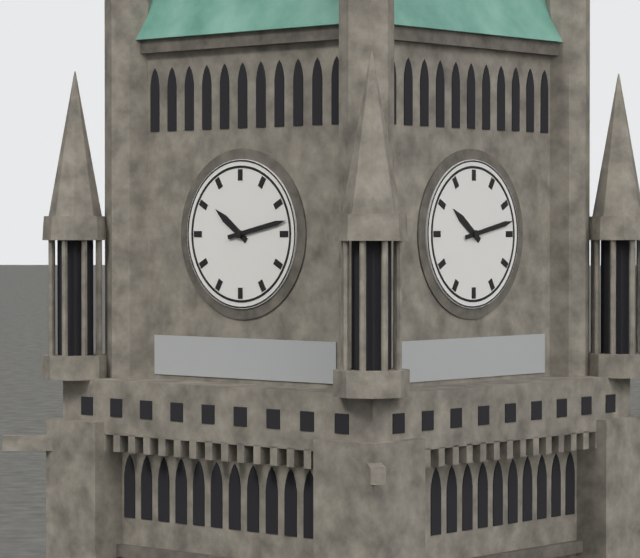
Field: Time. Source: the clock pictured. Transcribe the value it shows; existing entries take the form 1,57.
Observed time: 10,13
